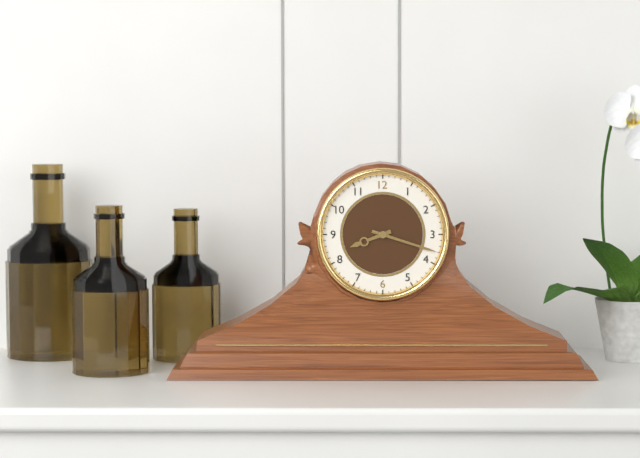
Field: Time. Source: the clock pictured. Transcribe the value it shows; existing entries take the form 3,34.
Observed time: 8,18
